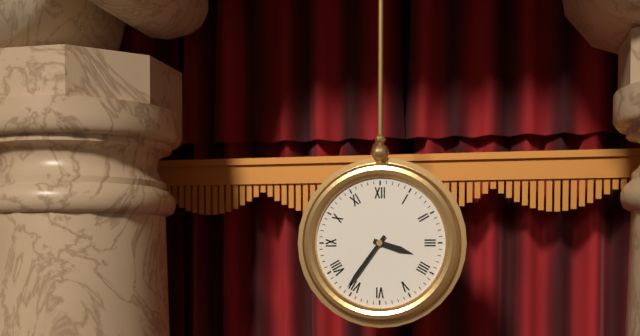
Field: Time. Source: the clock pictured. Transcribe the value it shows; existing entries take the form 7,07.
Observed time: 3,36
